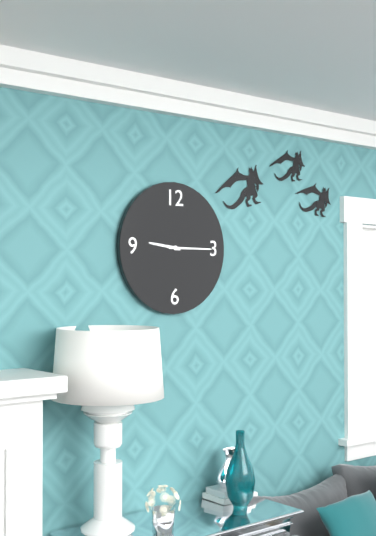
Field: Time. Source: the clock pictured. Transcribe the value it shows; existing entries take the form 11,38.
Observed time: 9,15
